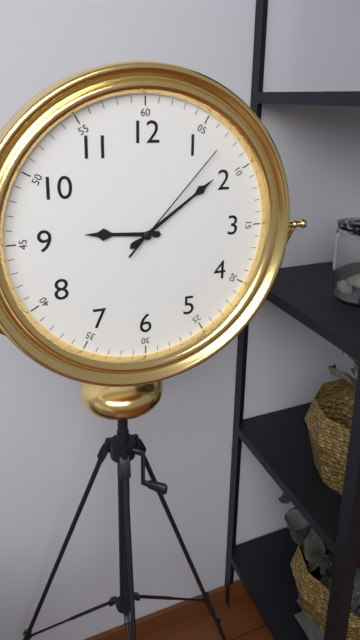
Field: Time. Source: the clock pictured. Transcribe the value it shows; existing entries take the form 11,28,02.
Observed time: 9,09,07
